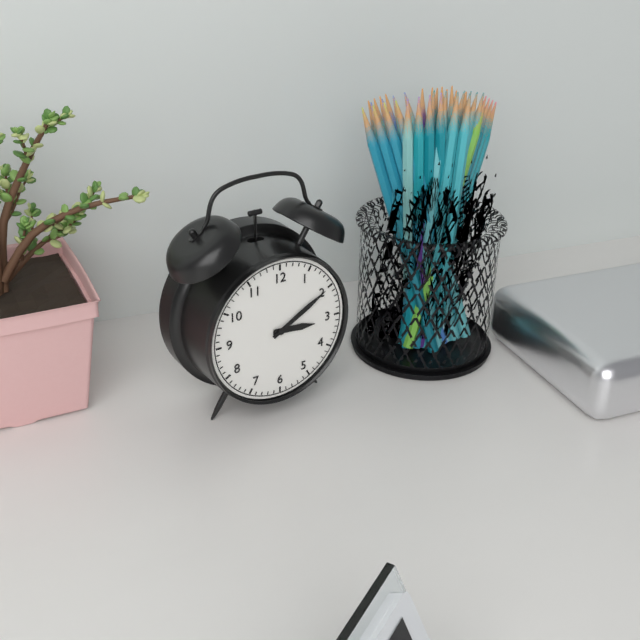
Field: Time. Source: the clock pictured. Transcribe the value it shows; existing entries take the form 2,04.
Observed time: 3,10
